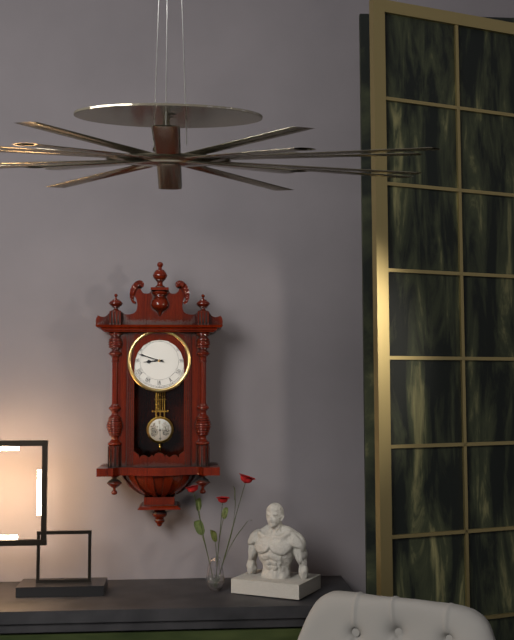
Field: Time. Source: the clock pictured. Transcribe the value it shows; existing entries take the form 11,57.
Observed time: 8,48
